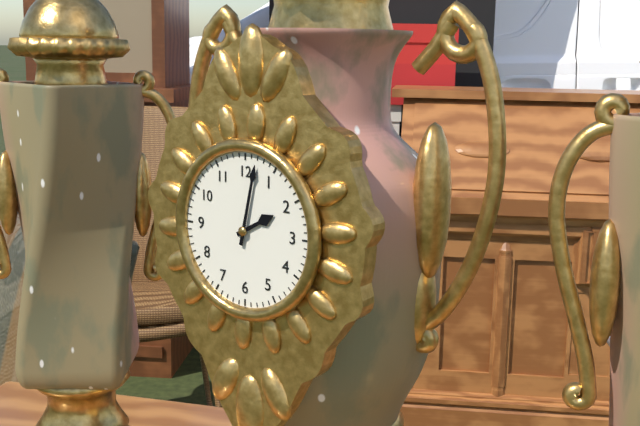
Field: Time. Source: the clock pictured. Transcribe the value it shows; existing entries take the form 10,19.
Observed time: 2,02
